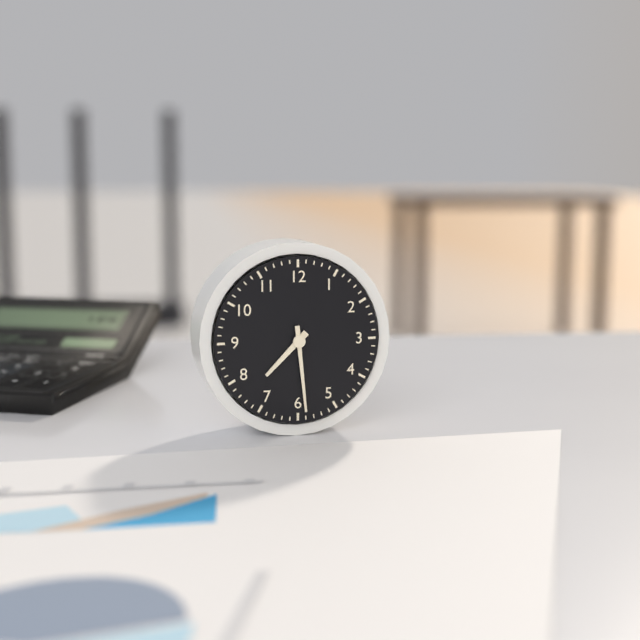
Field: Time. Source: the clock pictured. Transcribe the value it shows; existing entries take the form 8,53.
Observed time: 7,29
